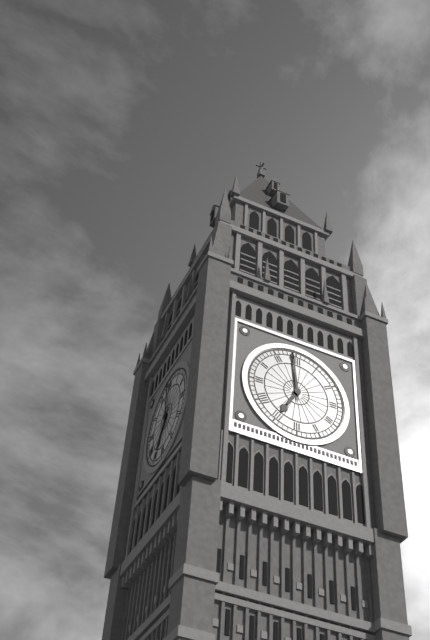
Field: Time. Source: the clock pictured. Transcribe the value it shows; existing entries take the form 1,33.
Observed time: 6,59
